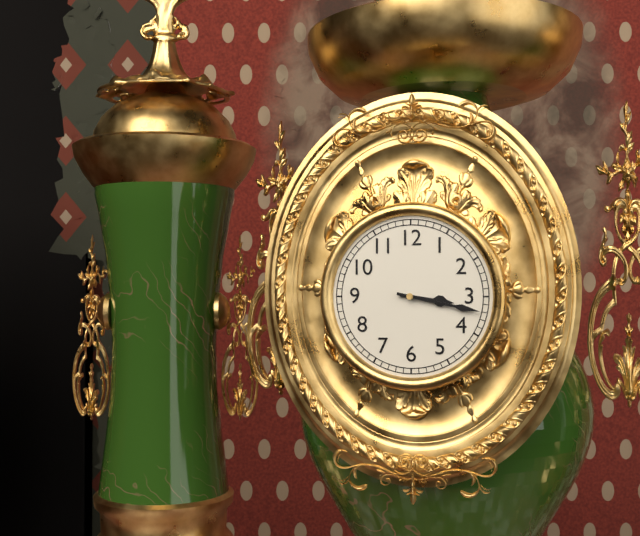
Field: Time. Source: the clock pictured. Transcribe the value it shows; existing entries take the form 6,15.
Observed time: 3,17
